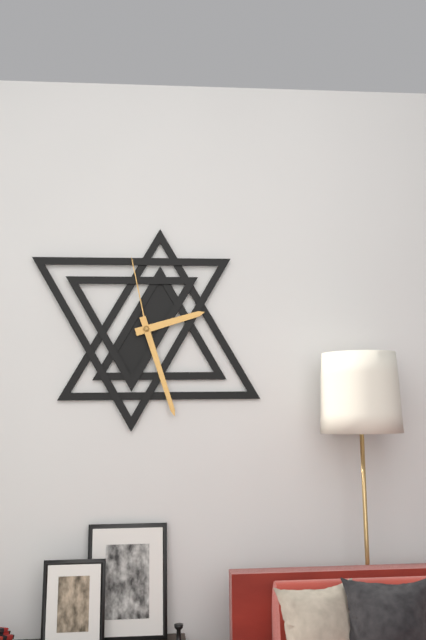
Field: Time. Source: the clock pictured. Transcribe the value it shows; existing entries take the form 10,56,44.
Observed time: 2,27,58
